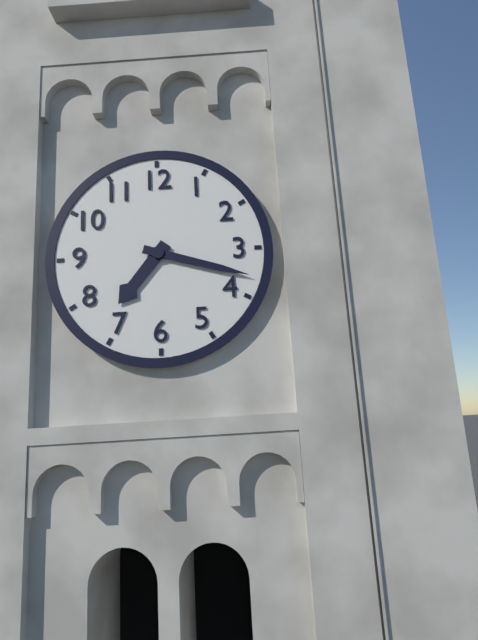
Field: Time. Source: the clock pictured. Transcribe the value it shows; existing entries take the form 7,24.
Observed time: 7,18
